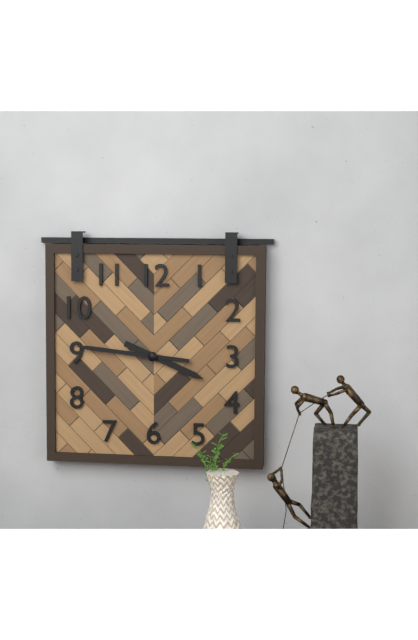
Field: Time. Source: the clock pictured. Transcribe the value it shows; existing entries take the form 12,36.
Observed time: 3,46
